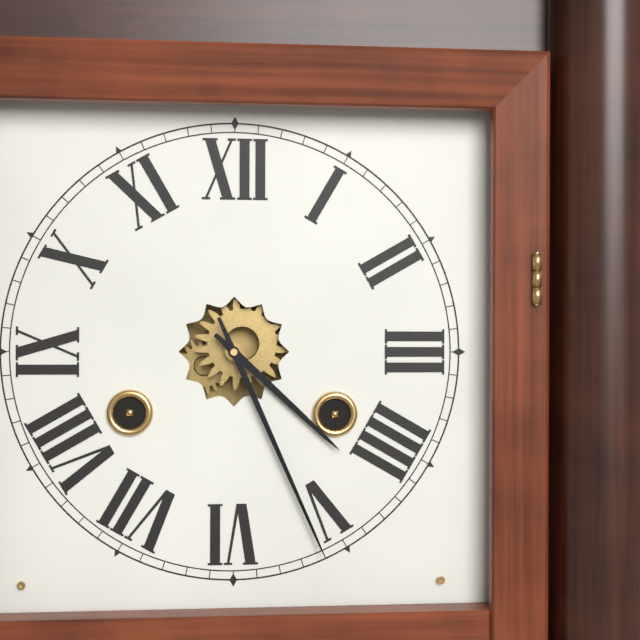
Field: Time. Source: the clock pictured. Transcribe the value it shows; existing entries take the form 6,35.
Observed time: 4,26
